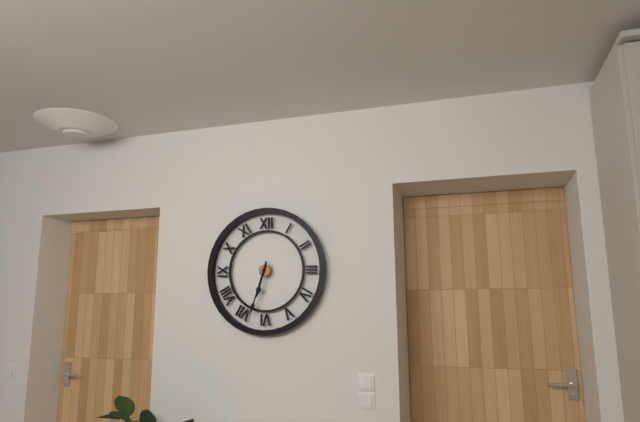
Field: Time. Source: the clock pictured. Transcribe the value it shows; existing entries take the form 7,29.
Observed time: 6,33
